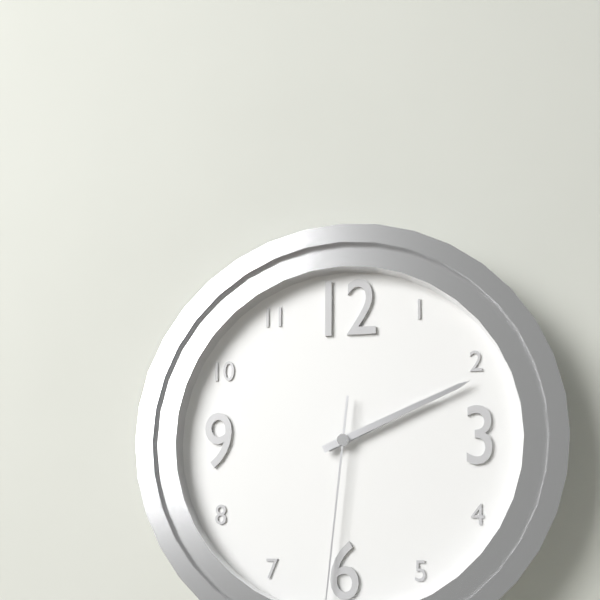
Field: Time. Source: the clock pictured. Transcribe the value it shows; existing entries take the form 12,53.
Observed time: 2,11
